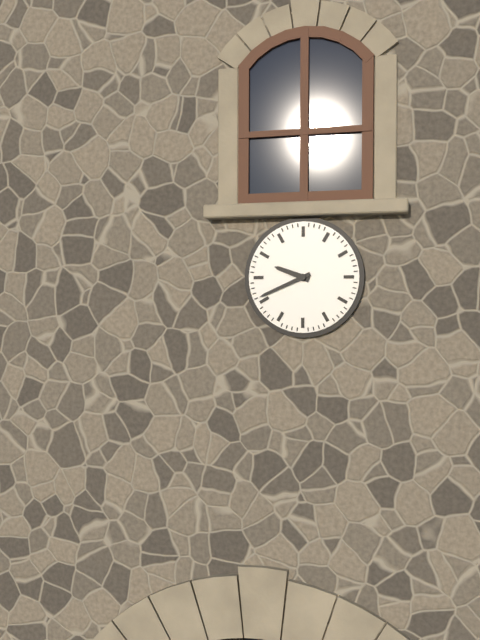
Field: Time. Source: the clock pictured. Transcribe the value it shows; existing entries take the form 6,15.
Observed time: 9,41
